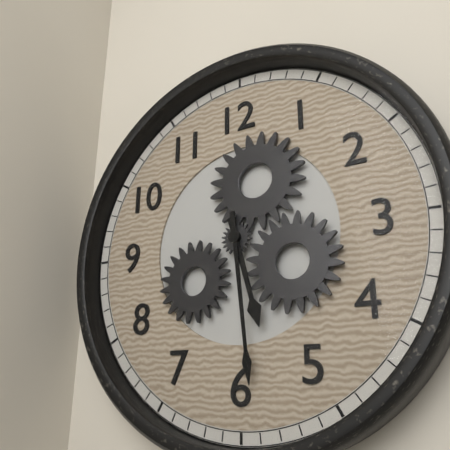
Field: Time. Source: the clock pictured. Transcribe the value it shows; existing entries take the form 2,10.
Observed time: 5,29
